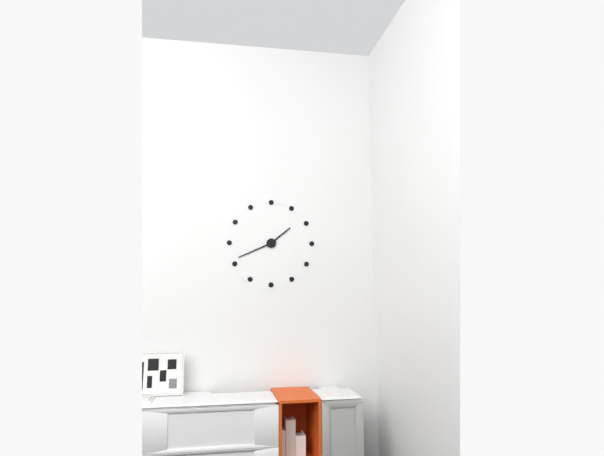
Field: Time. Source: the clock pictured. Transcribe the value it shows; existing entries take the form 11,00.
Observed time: 1,41
